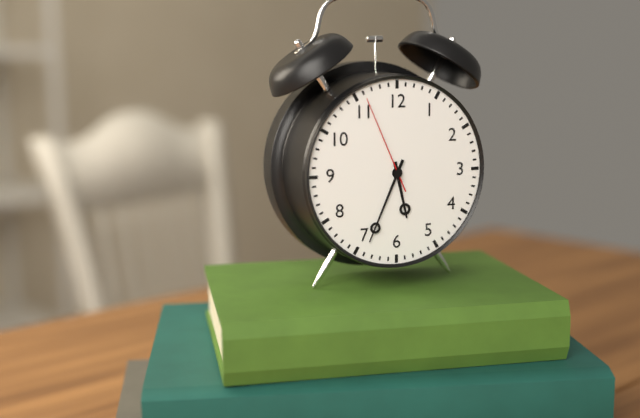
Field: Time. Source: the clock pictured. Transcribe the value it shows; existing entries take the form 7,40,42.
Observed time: 5,34,56
